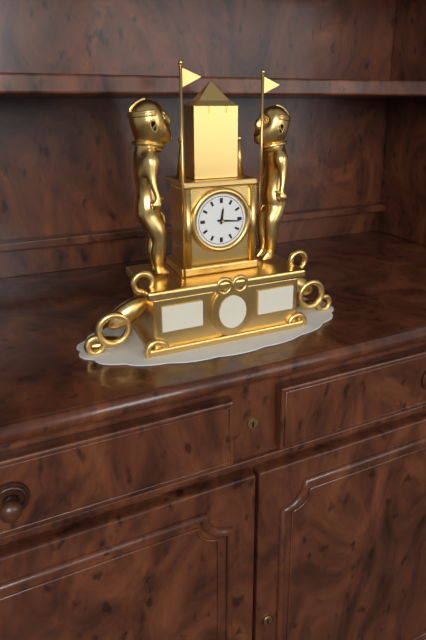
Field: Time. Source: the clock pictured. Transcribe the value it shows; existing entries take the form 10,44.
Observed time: 12,16
